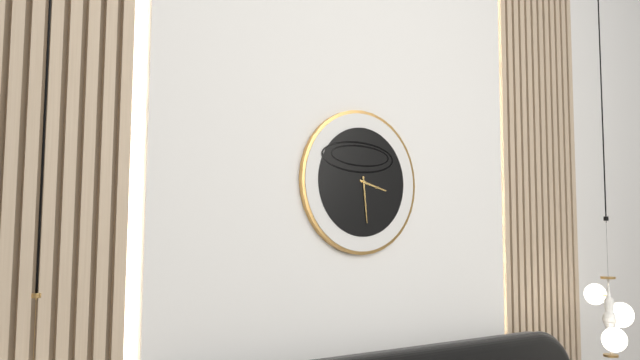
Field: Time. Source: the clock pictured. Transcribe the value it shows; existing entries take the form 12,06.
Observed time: 3,29
